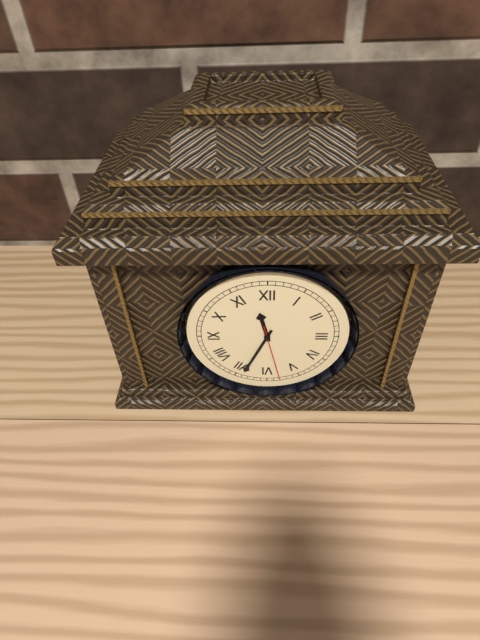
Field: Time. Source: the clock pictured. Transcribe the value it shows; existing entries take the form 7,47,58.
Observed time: 11,34,28
